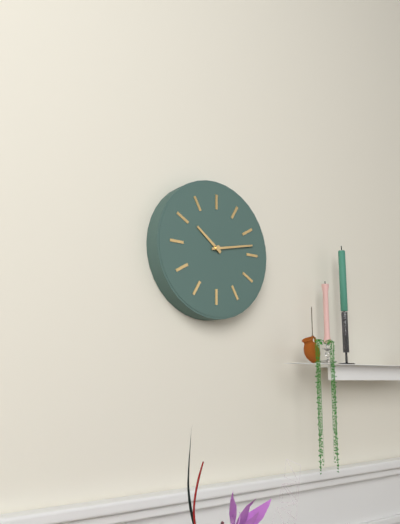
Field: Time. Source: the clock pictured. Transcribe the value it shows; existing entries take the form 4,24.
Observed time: 10,13
